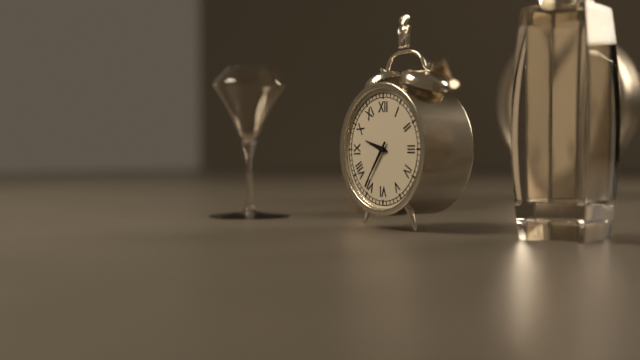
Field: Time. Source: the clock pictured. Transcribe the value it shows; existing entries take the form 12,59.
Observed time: 9,36
